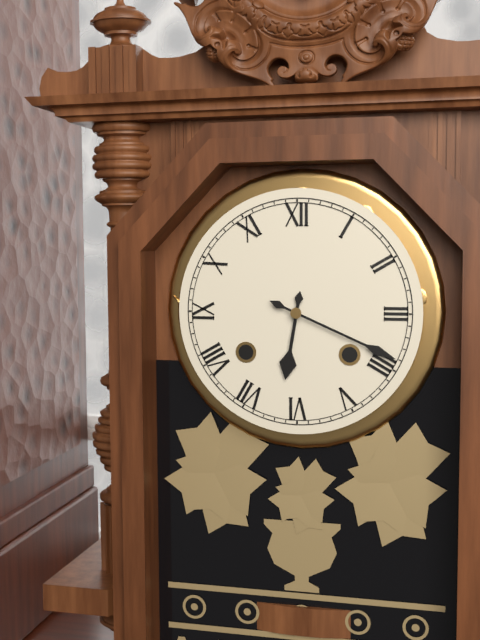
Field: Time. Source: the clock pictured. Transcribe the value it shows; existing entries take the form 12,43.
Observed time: 6,19
